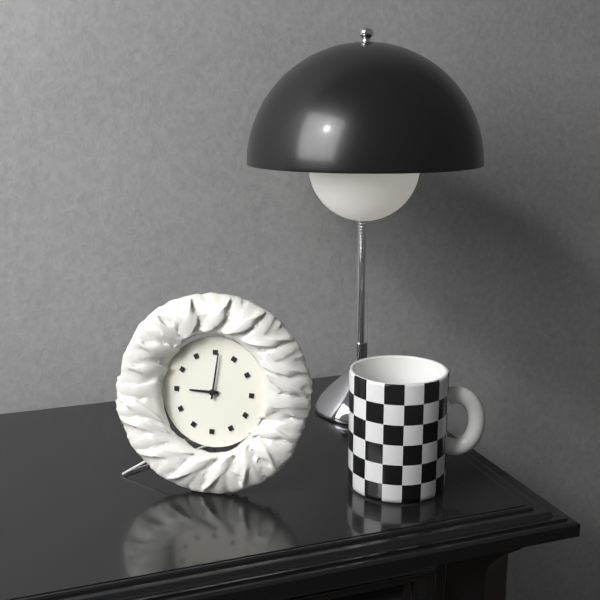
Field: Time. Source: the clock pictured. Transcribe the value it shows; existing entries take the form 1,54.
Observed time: 9,01
